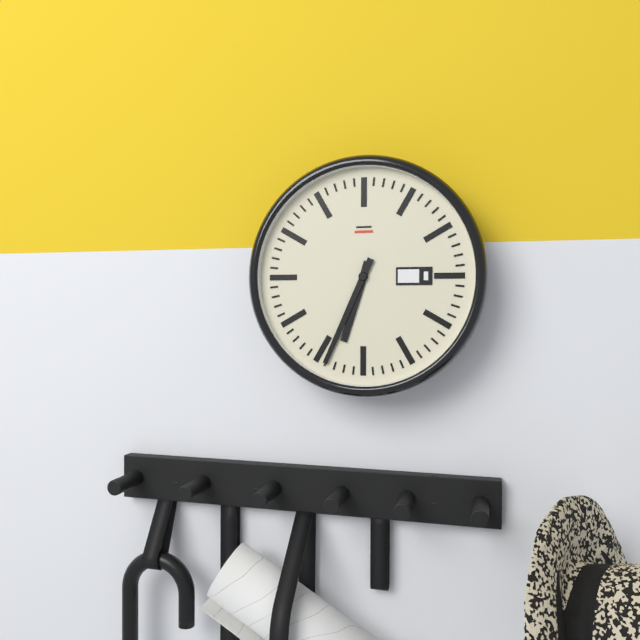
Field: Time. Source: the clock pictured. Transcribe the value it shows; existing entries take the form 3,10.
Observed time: 6,34
